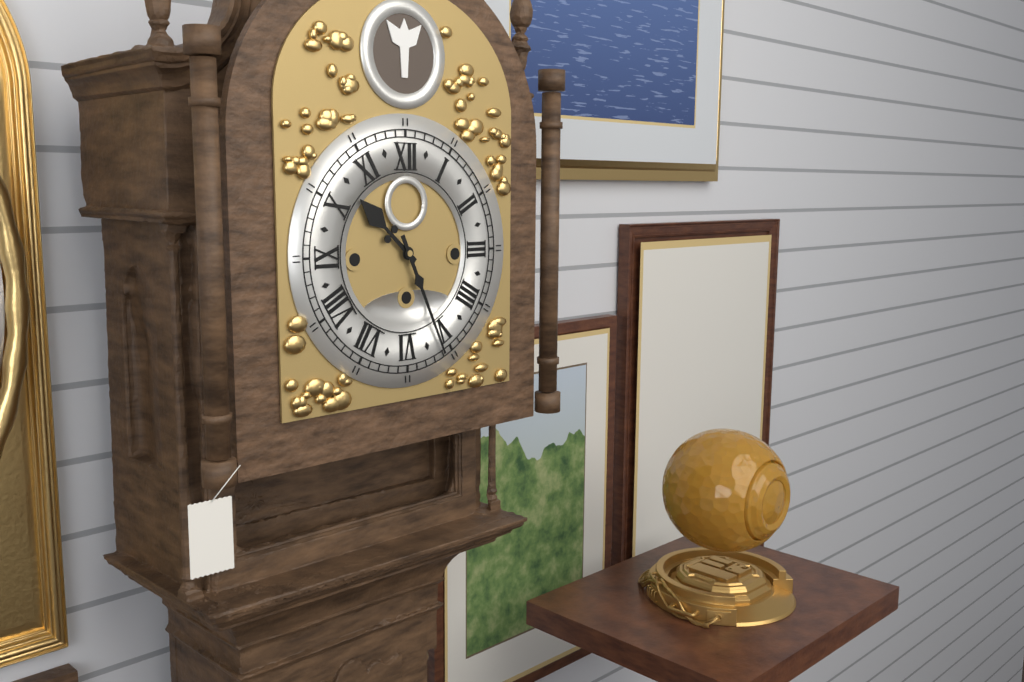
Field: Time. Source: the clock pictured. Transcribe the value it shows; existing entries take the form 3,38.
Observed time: 10,26
